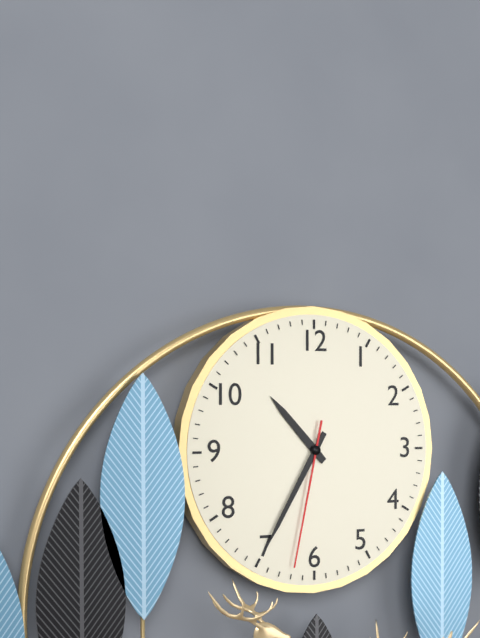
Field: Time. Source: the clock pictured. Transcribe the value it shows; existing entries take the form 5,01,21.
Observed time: 10,35,32
